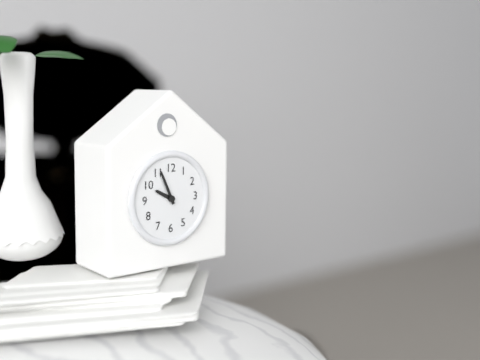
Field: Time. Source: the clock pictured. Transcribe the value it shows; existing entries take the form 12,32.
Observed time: 9,56
